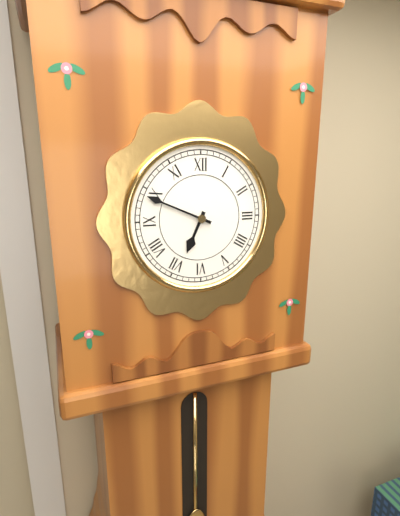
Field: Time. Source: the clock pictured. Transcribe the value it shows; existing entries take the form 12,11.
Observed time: 6,49
